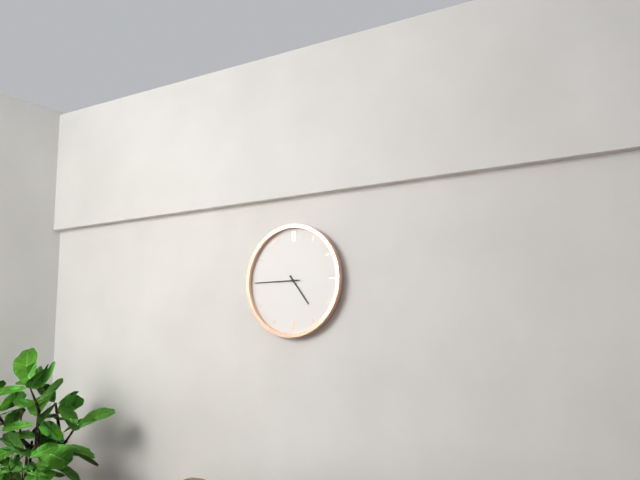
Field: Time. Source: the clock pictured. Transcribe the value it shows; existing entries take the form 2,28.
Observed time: 4,45
